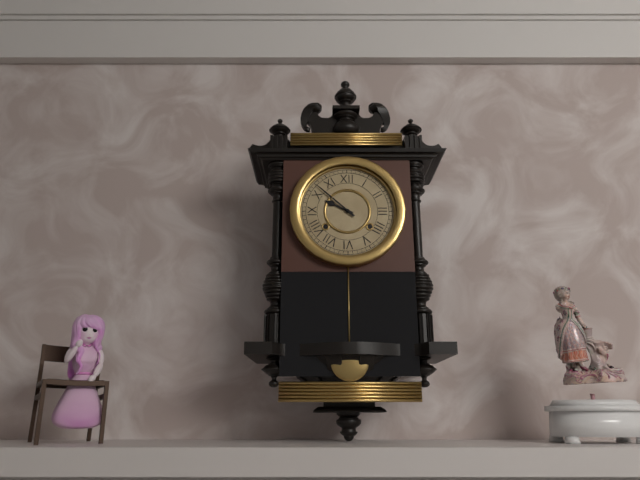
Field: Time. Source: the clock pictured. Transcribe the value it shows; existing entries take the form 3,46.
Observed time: 9,52
